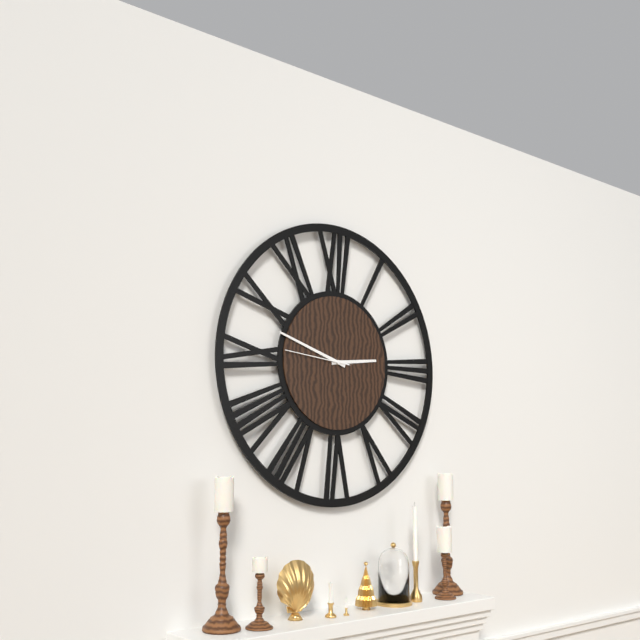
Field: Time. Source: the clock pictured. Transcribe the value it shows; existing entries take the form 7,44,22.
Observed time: 2,48,46
